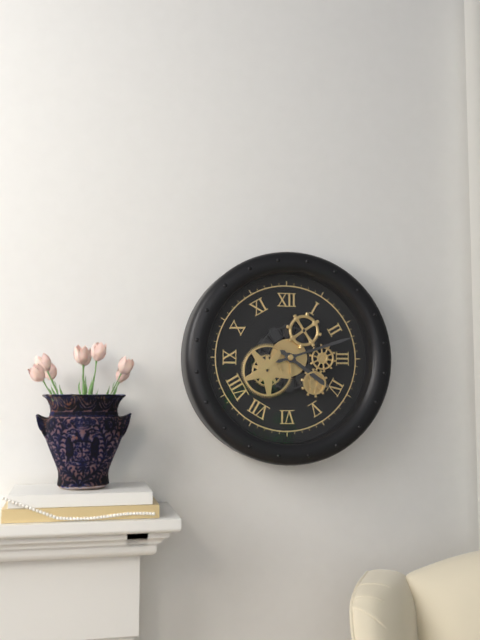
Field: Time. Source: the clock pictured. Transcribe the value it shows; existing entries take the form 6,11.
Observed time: 4,12
